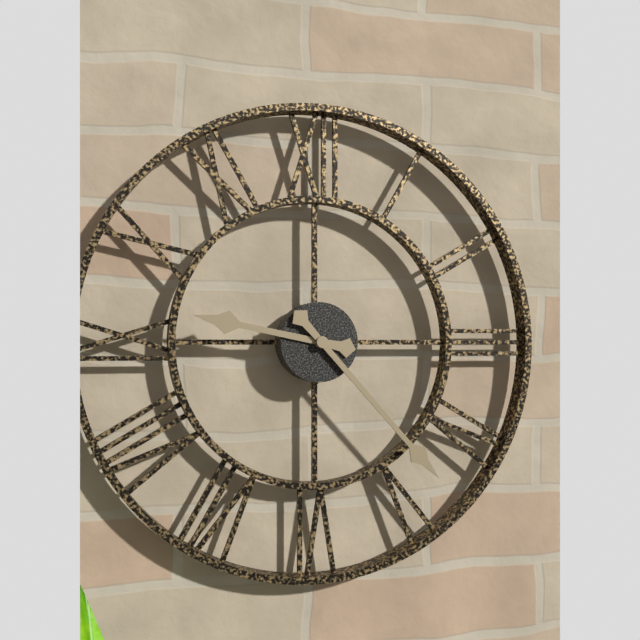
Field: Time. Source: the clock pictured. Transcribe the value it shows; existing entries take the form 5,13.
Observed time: 9,23
